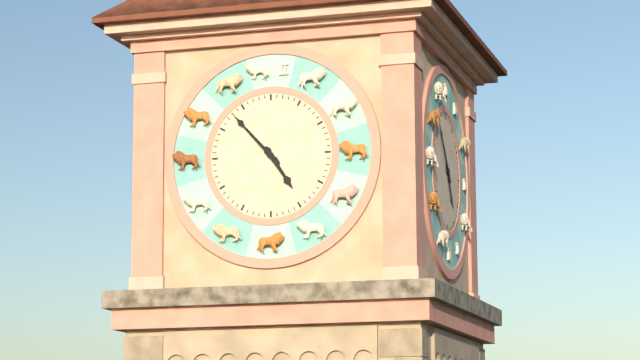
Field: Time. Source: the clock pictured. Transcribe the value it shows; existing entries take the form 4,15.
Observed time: 4,53
